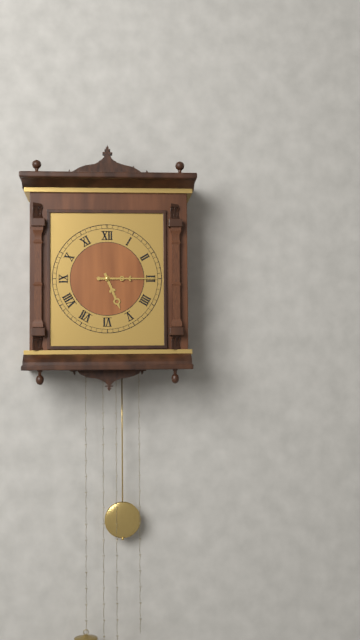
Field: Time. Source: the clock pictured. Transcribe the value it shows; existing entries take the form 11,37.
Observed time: 5,15
